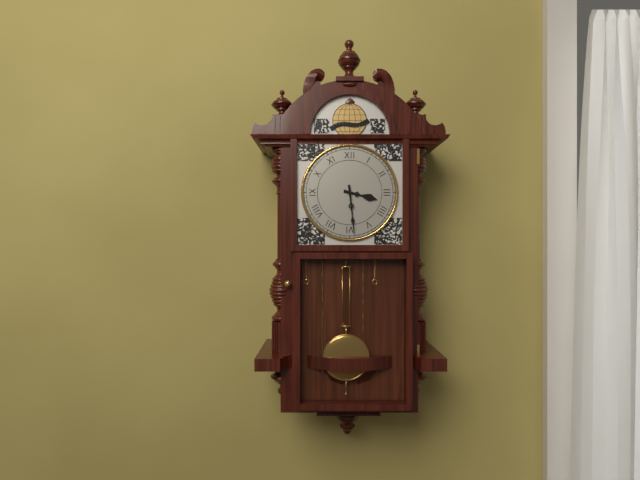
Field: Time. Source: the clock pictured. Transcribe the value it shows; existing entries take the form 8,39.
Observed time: 3,29
